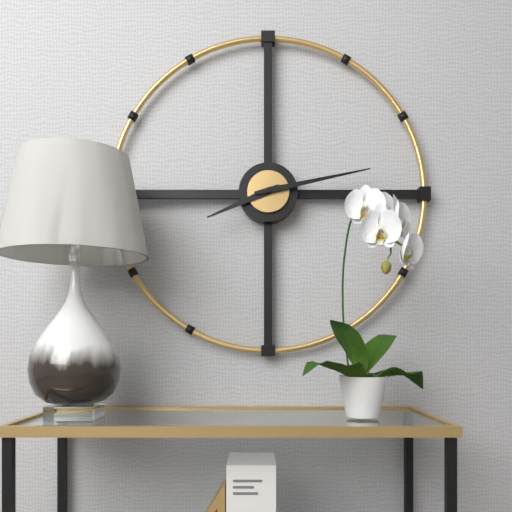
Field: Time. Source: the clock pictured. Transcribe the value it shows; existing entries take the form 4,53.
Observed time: 8,13
